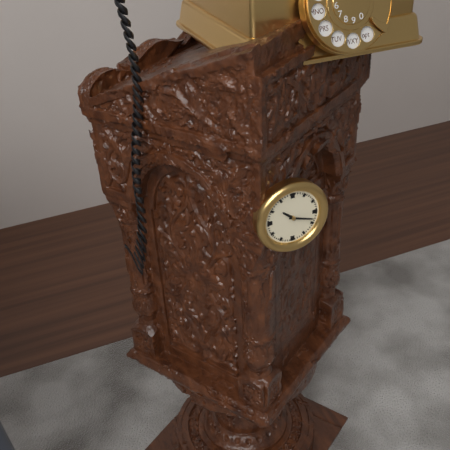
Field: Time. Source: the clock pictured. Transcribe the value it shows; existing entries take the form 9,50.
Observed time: 10,18
